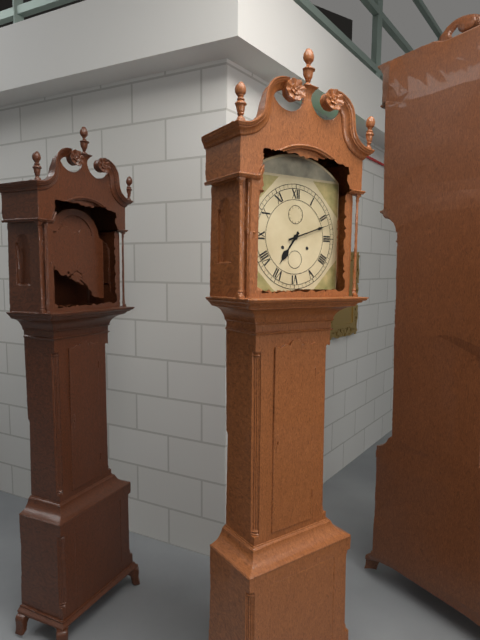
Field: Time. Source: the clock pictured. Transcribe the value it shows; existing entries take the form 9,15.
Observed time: 7,12
